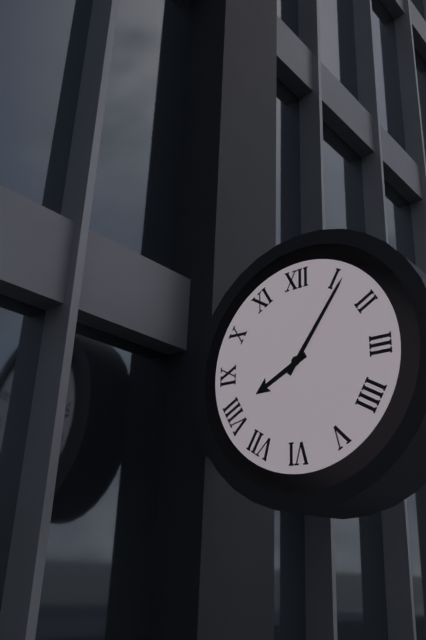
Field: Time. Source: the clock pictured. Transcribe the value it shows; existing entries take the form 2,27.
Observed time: 8,06
